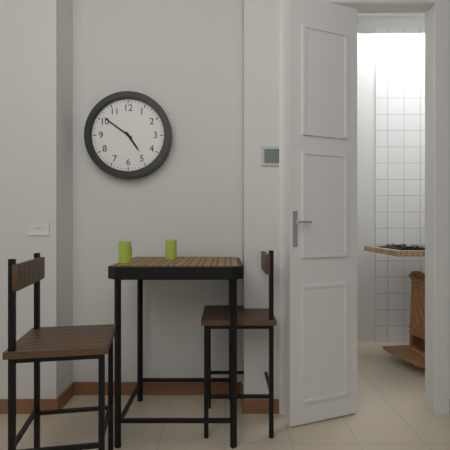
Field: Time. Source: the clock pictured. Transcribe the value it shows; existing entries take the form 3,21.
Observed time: 4,51
